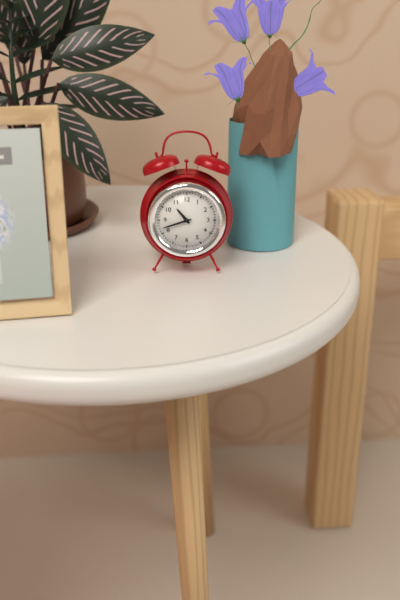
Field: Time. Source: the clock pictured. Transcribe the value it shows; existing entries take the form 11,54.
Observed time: 10,42
